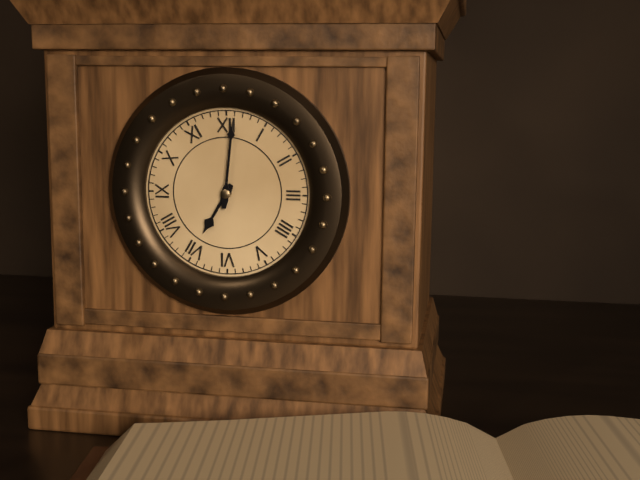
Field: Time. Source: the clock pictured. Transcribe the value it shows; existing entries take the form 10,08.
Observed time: 7,01
